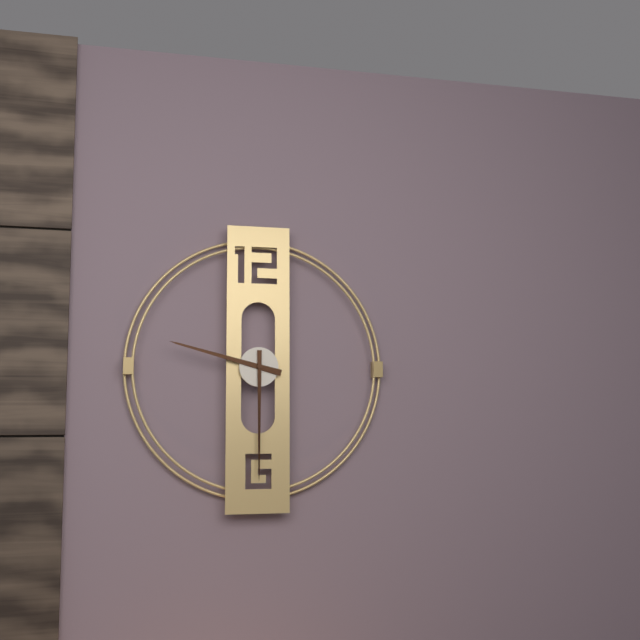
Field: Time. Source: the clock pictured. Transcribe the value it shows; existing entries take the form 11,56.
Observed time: 9,30
